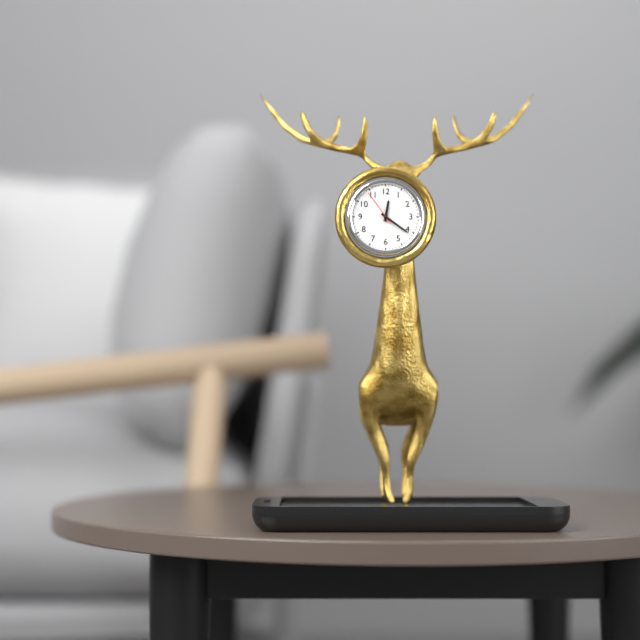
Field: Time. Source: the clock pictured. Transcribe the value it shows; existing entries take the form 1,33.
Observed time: 12,21
